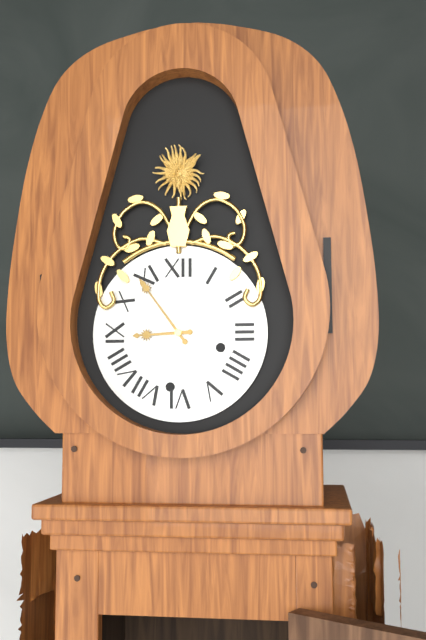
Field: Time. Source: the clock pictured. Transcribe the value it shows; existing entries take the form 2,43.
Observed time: 8,54
